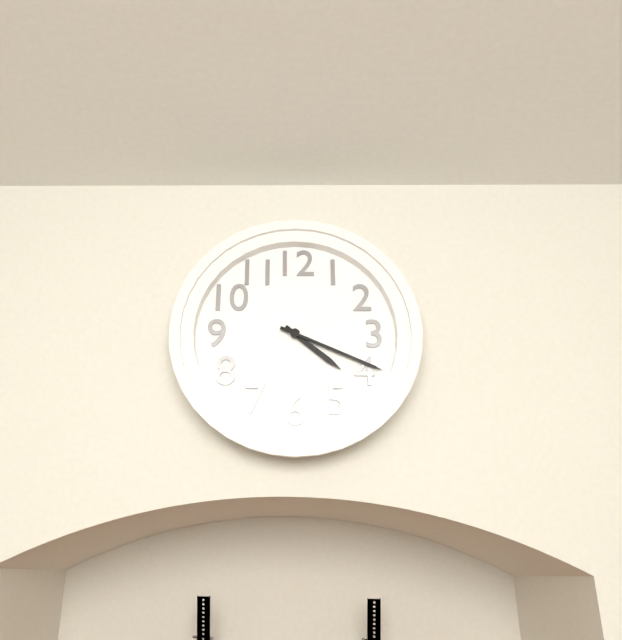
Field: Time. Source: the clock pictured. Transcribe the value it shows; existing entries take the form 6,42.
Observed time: 4,19
